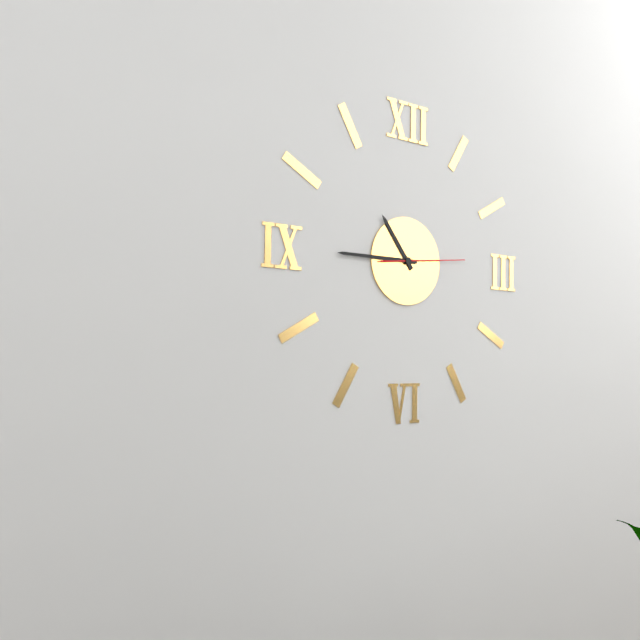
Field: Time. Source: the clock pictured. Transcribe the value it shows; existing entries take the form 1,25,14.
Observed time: 10,45,14
